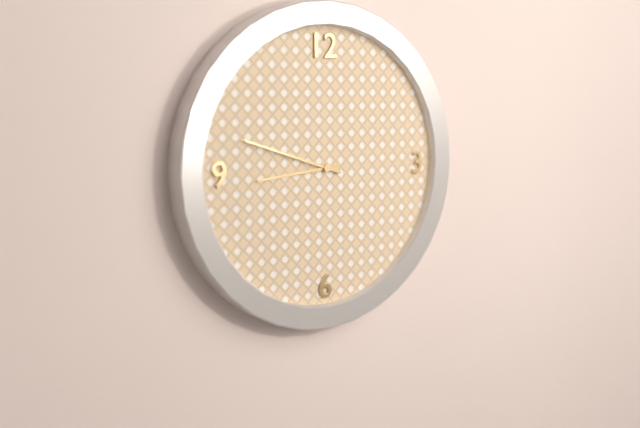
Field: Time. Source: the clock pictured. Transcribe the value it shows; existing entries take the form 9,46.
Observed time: 8,48
